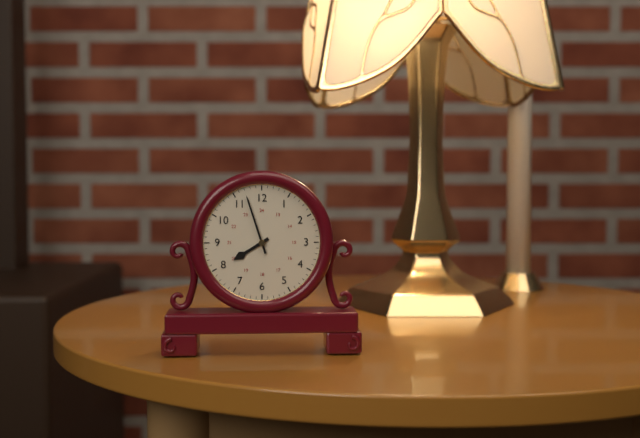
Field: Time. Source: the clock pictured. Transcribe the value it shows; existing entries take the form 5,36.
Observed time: 7,57
